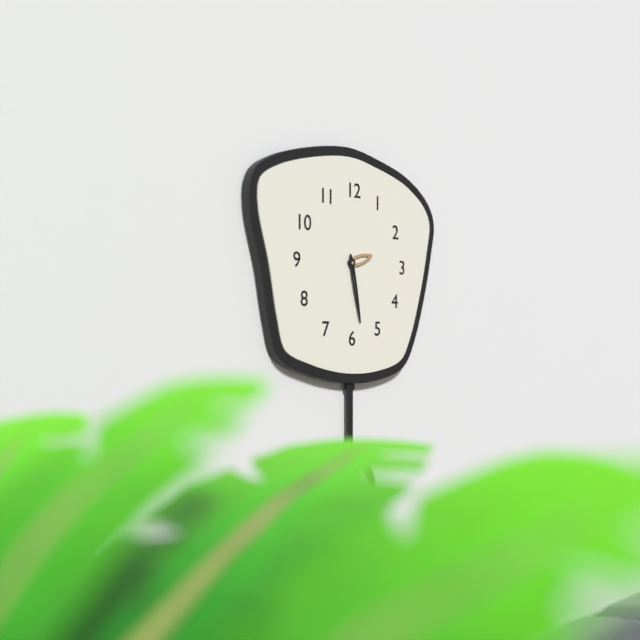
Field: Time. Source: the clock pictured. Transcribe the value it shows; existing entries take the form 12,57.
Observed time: 2,28
